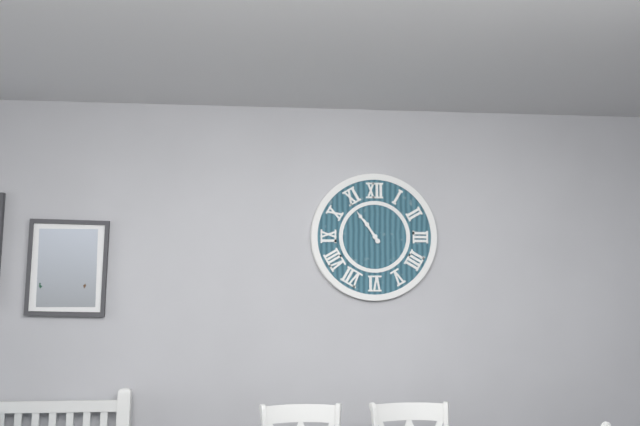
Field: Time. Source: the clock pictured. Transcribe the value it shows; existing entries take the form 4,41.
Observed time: 10,54
